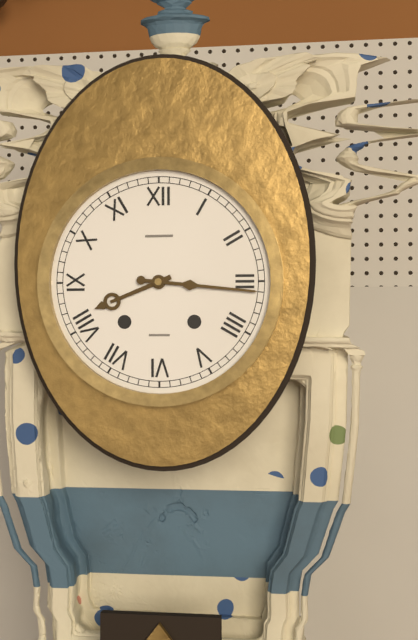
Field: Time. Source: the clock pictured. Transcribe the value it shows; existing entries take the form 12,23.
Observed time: 8,16
